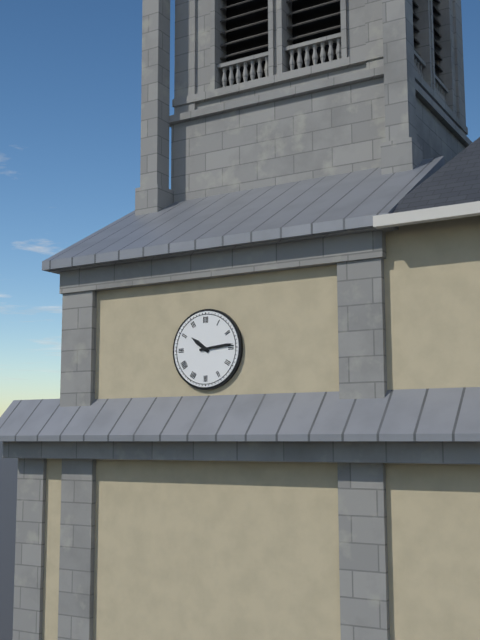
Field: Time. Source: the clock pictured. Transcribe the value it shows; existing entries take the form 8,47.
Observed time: 10,14
